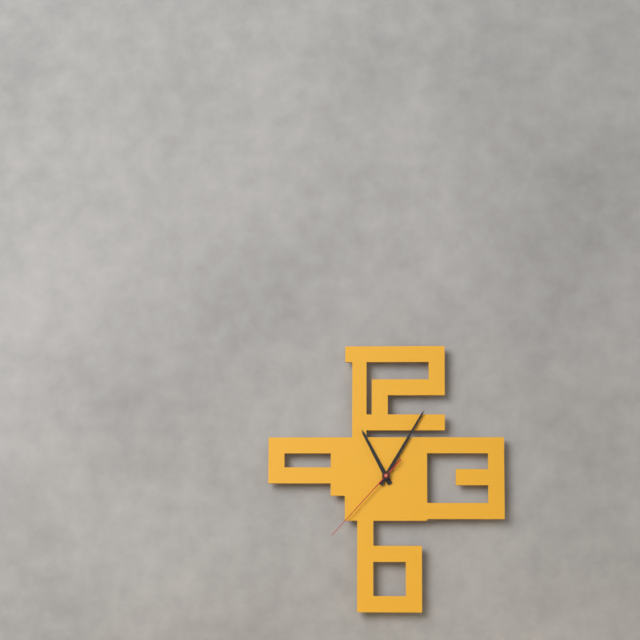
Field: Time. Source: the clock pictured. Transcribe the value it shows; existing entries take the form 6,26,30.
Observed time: 11,05,37
